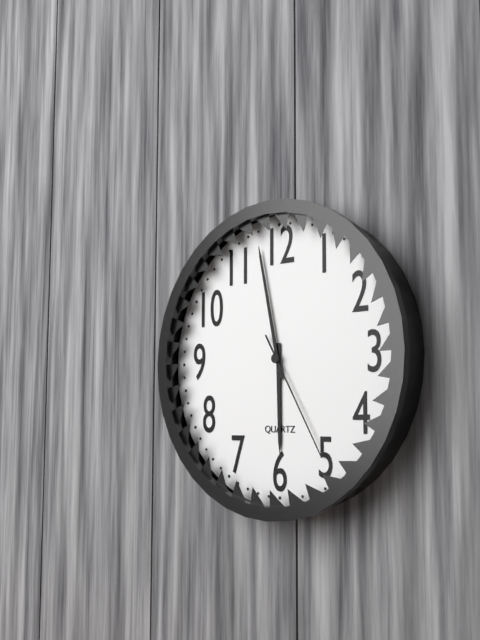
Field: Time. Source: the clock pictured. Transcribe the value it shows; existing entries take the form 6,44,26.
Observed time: 5,58,25
